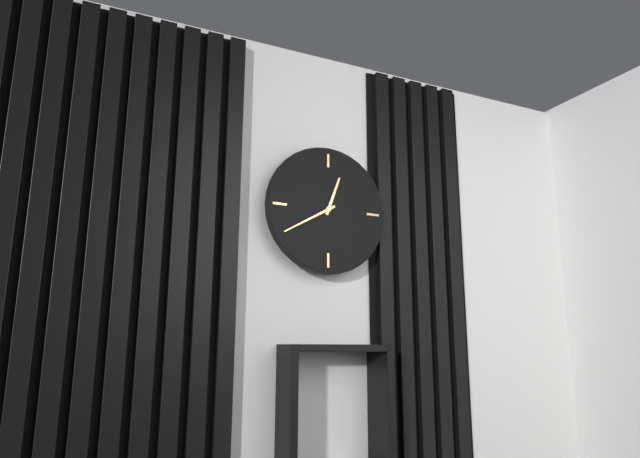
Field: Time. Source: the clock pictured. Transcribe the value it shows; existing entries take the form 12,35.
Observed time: 12,40
